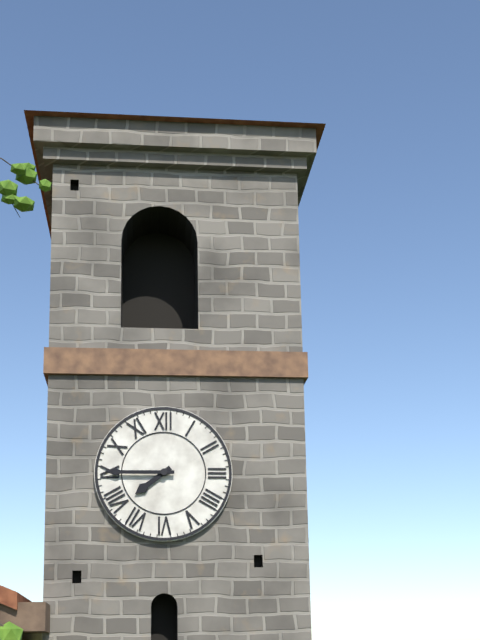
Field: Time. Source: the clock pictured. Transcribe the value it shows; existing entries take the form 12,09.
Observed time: 7,45
